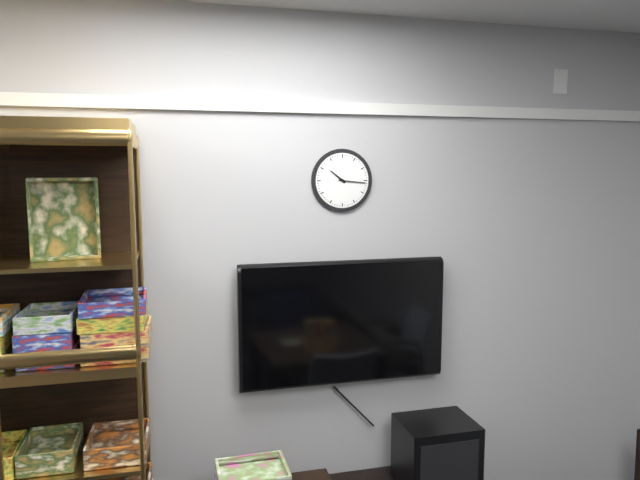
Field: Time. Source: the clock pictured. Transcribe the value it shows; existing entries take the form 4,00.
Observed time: 10,16
